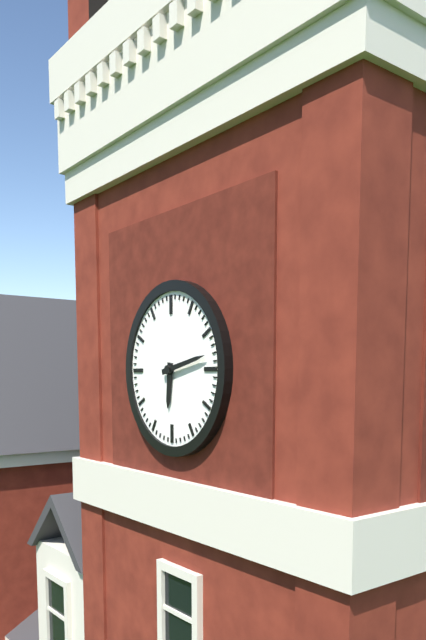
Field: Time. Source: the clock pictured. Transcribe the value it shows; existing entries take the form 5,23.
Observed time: 6,13
